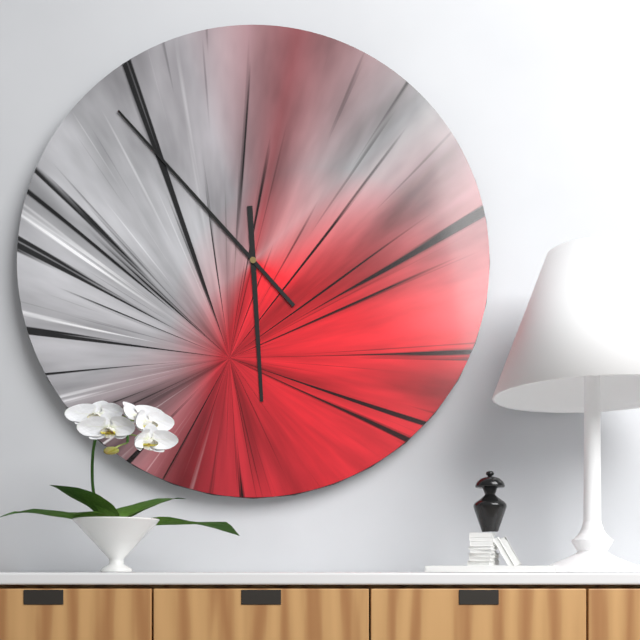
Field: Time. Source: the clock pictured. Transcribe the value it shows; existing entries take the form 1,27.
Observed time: 5,53
